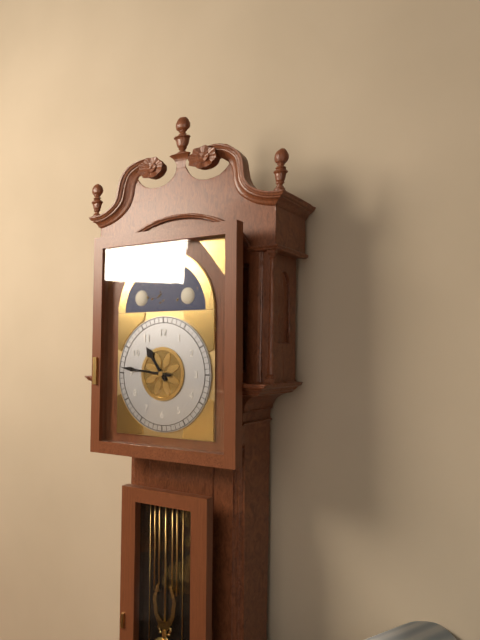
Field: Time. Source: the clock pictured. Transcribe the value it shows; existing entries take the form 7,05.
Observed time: 10,46
